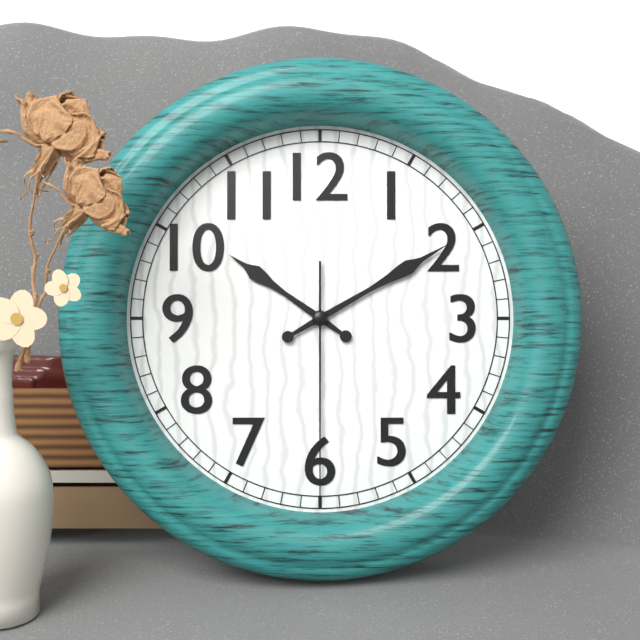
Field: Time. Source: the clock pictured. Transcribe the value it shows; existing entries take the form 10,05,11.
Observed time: 10,10,30
